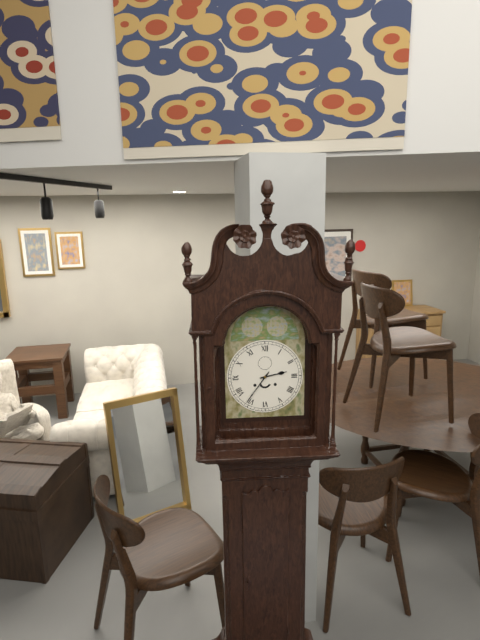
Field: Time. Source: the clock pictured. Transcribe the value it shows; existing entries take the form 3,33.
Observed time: 2,36
